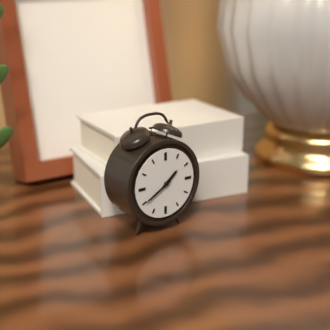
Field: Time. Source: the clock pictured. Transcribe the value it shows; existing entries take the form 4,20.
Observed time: 1,40
